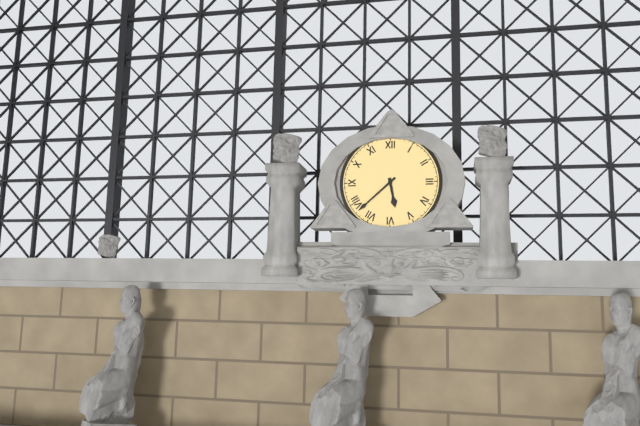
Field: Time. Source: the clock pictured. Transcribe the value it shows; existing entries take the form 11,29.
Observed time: 5,38
